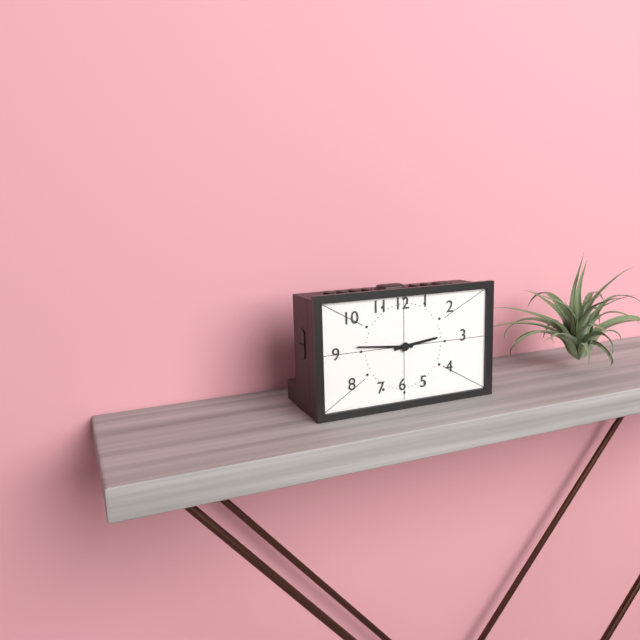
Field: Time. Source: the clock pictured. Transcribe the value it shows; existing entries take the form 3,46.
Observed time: 2,46
